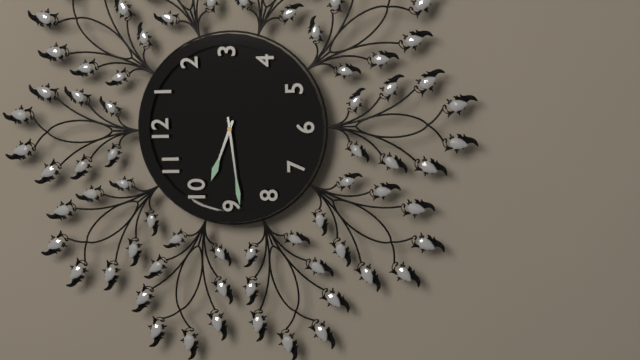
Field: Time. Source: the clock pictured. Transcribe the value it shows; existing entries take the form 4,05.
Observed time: 9,44
